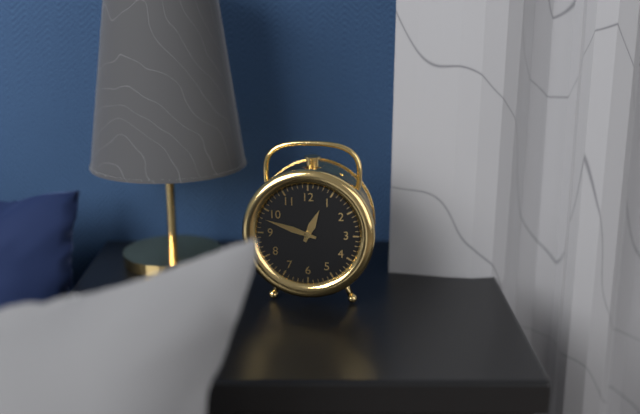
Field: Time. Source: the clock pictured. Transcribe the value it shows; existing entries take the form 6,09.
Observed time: 12,48
